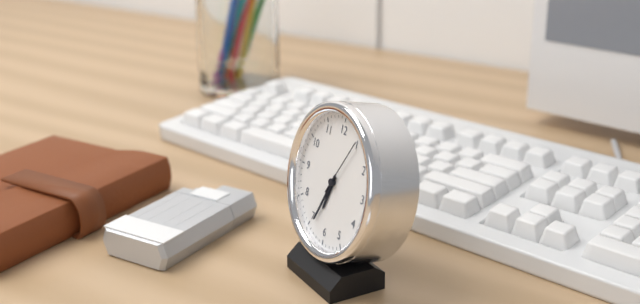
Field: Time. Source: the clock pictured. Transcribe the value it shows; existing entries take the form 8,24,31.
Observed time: 6,34,05
